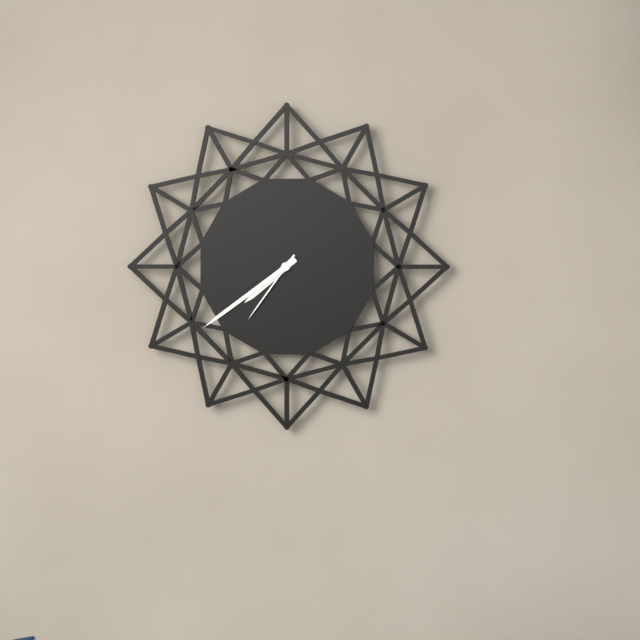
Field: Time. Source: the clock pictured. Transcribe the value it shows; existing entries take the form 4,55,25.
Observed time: 7,39,36
